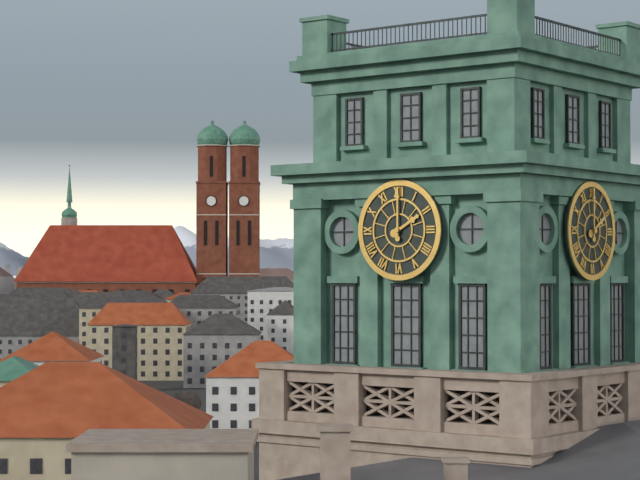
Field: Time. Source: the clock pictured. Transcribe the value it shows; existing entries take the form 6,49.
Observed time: 2,00
